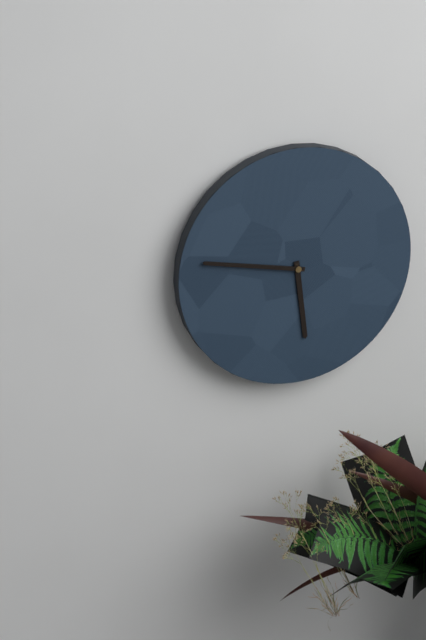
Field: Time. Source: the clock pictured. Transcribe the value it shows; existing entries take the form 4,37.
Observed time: 5,47
